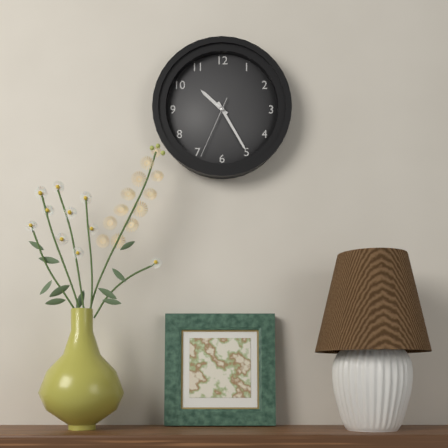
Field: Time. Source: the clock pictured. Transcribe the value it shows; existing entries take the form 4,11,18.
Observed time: 10,25,34
